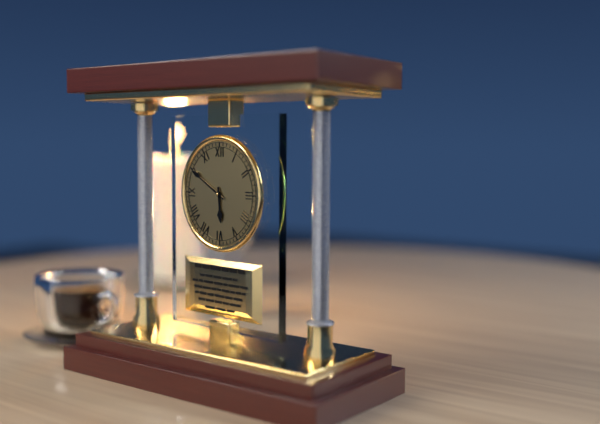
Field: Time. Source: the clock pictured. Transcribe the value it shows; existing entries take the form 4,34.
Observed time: 5,50
